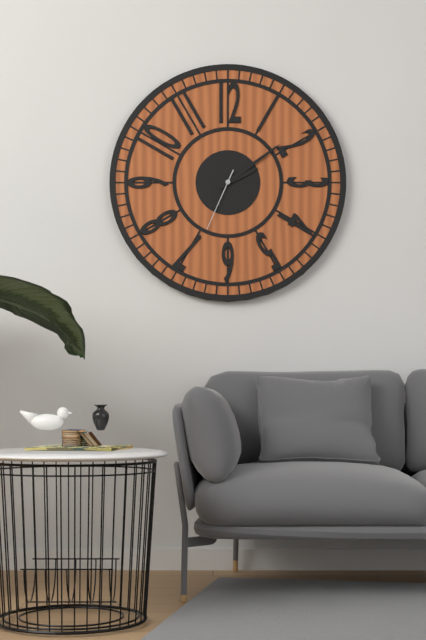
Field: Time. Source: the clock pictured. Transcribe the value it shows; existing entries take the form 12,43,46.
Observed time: 2,09,34
